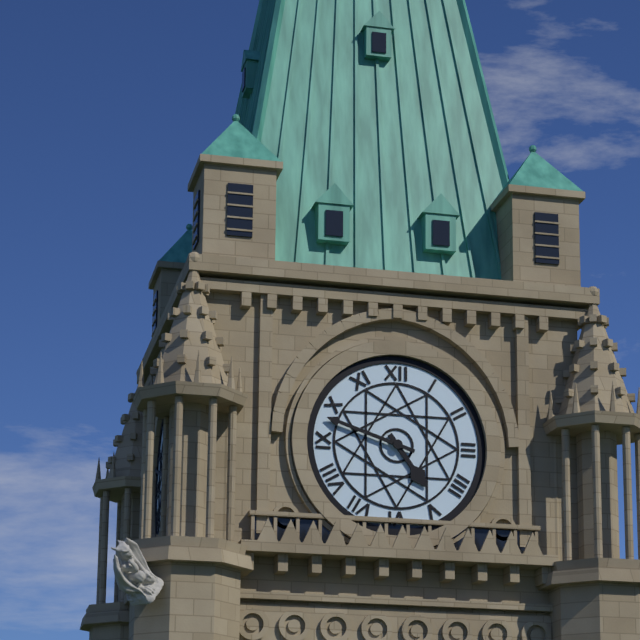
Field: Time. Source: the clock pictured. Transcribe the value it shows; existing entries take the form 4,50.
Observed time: 4,48
